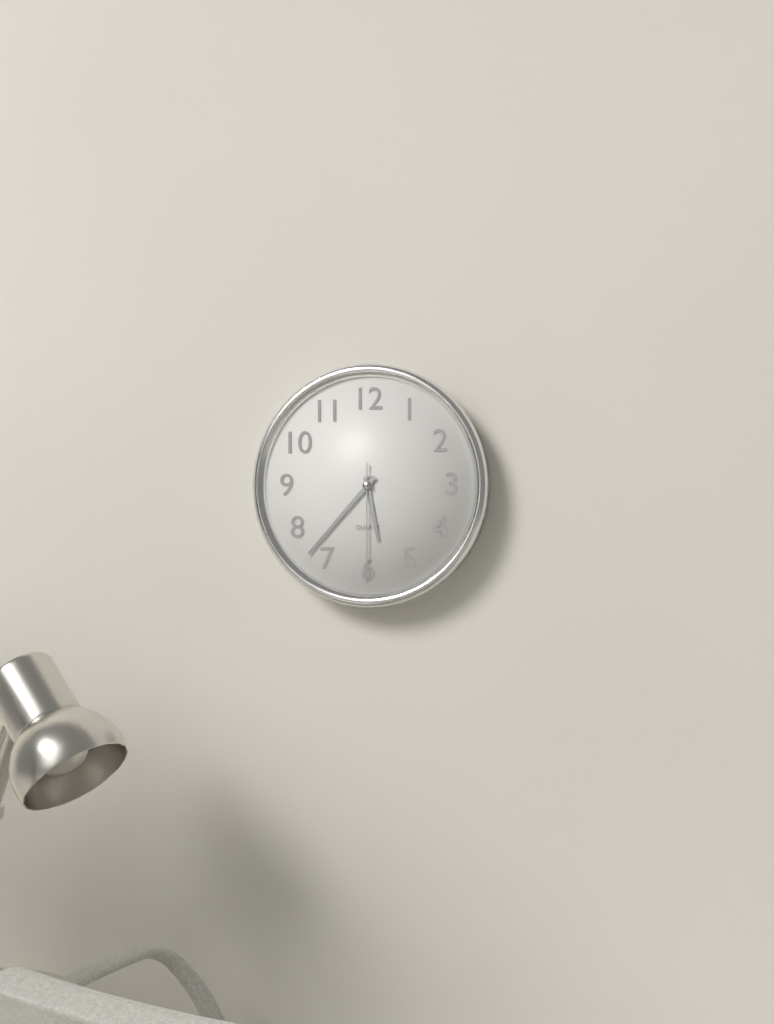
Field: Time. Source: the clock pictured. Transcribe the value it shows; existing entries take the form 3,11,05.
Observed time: 5,37,30
